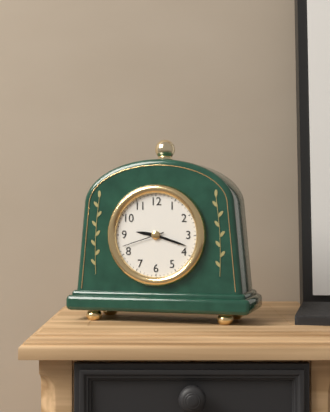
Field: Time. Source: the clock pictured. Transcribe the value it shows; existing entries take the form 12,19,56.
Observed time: 9,18,42
